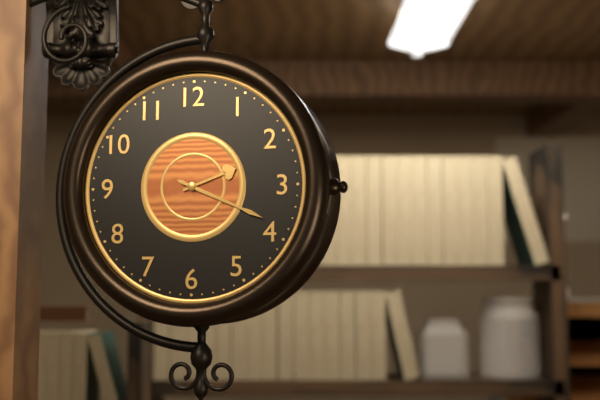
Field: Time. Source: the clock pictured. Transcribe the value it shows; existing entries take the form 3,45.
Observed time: 2,19
